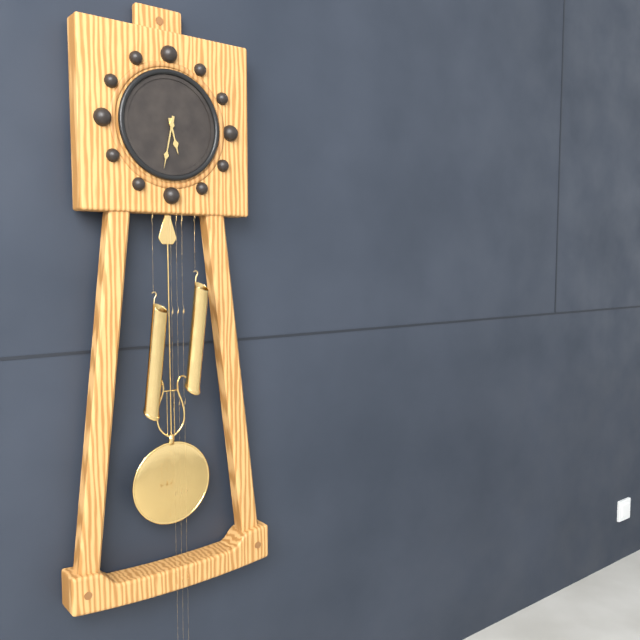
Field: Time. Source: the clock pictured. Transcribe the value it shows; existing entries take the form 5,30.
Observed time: 5,32
